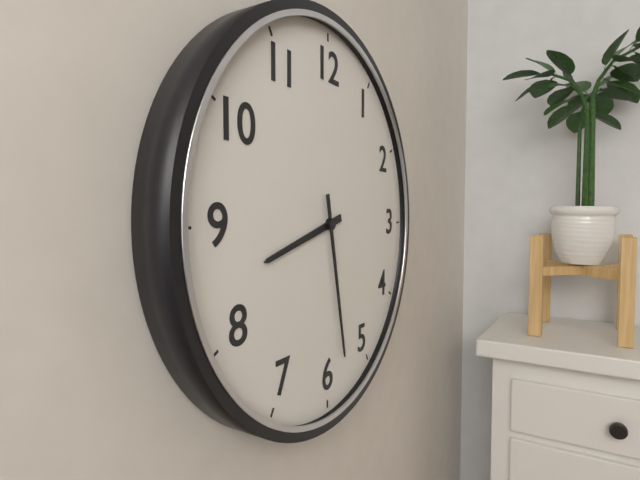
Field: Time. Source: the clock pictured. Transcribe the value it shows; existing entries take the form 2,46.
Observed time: 8,28
